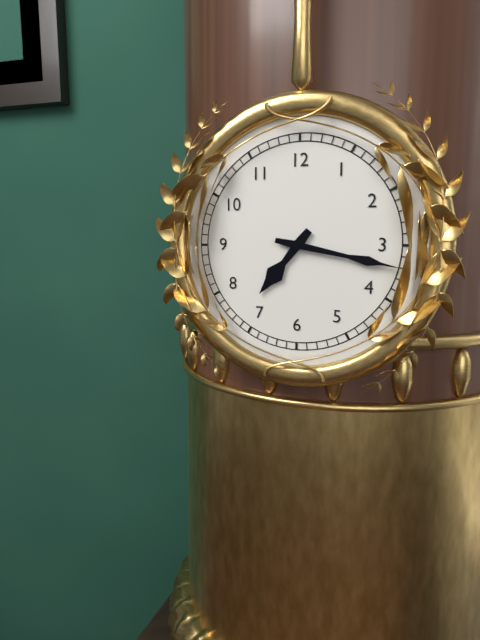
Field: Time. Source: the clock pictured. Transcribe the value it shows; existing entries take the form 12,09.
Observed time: 7,17
